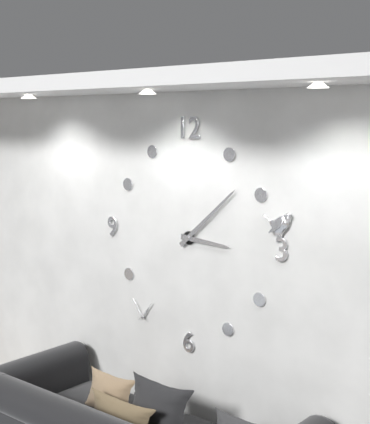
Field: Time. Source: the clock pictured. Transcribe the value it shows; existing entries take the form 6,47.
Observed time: 3,08
